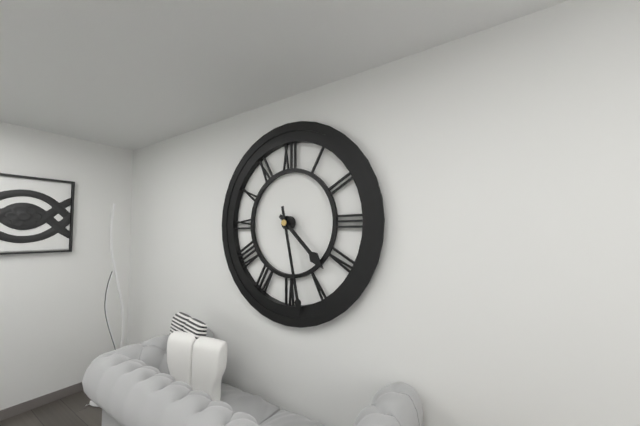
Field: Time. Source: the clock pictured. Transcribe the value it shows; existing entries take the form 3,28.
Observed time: 4,28
